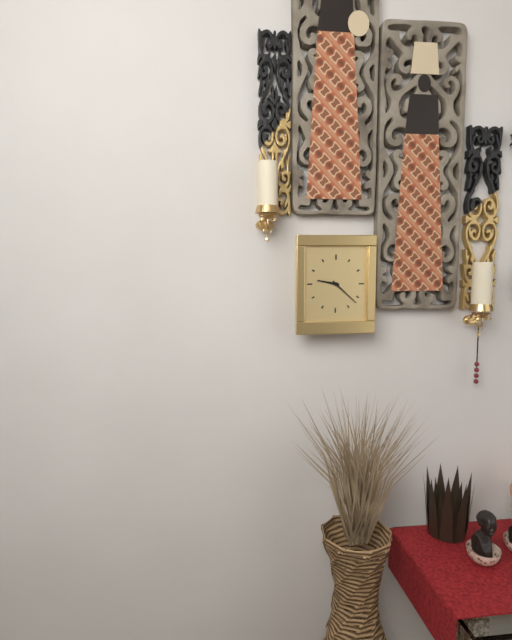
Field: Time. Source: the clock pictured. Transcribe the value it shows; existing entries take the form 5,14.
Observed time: 9,22
